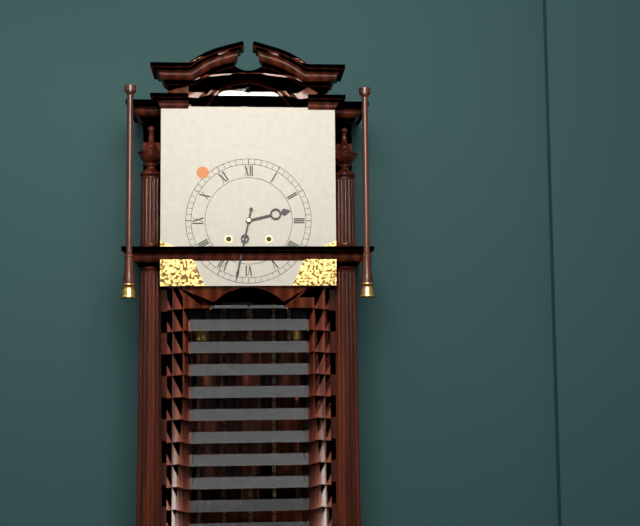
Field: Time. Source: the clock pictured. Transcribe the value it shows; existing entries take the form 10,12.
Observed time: 2,32
